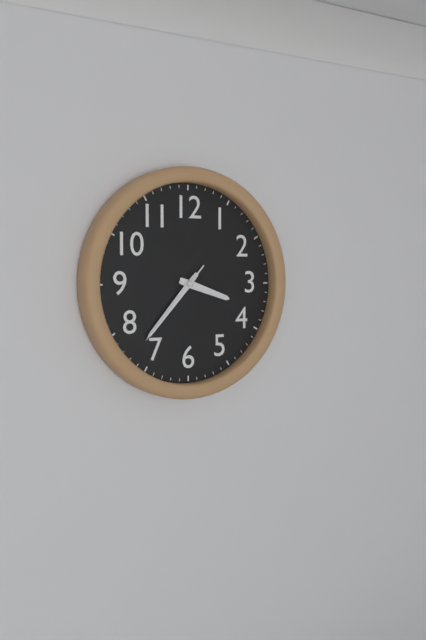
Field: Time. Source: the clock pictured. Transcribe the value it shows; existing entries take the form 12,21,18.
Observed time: 3,37,37
